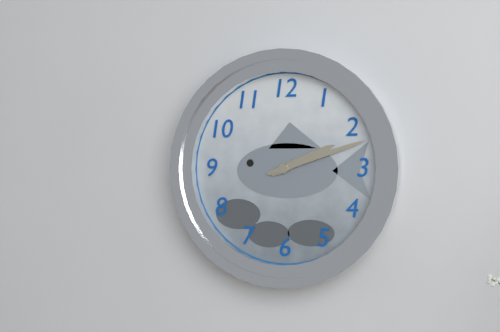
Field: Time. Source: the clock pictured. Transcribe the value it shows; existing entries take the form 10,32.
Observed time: 2,12
